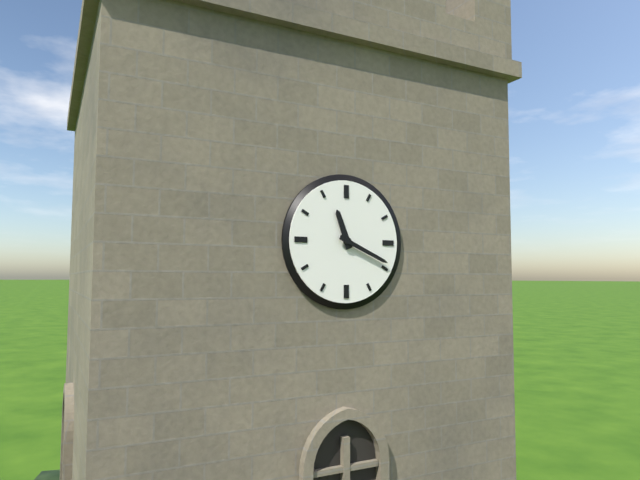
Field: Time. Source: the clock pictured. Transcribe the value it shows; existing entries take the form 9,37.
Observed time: 11,19
